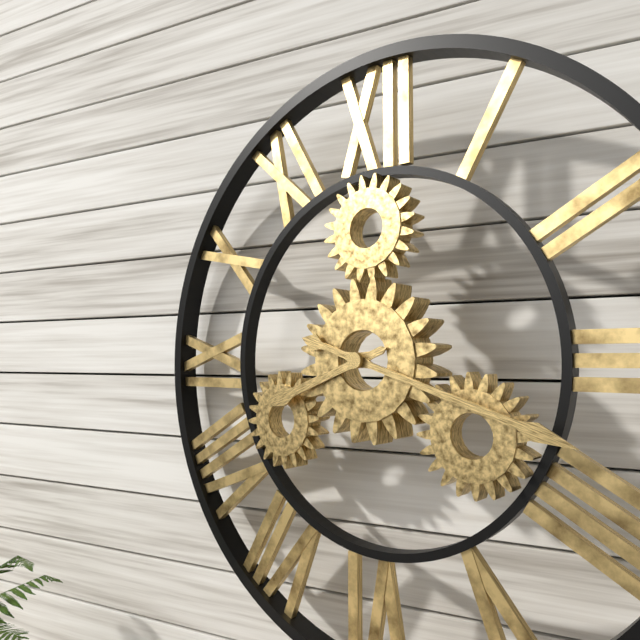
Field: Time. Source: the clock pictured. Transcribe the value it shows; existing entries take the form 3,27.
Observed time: 8,18
